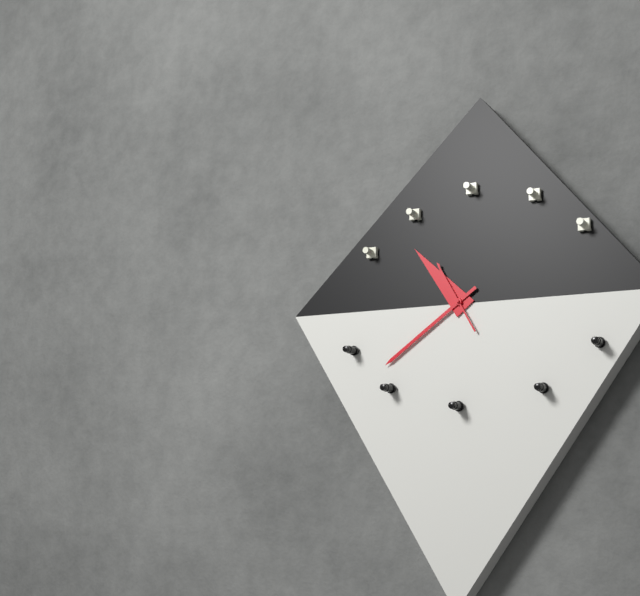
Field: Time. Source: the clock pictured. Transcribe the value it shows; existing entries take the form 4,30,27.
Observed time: 10,39,55
